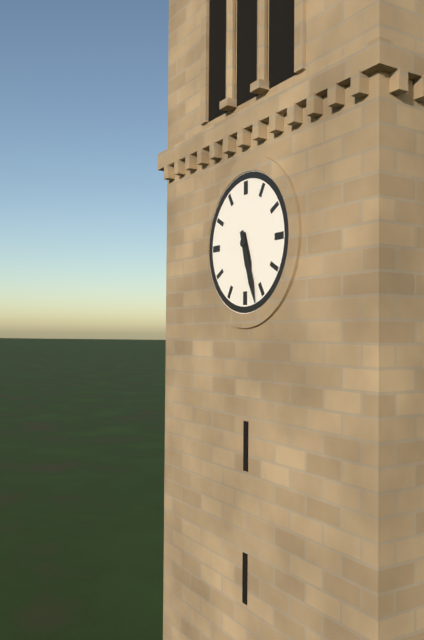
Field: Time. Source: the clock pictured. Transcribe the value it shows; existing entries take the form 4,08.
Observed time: 5,27
